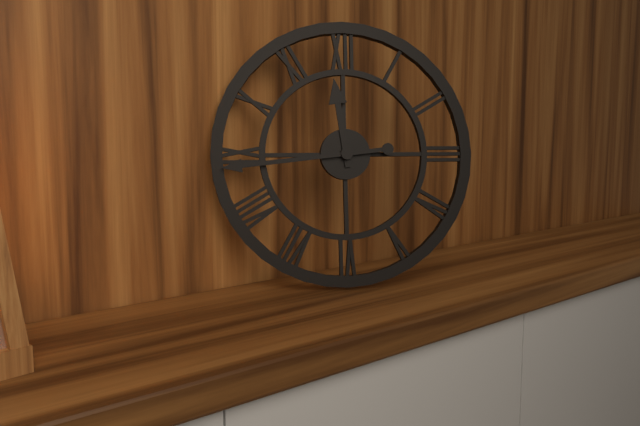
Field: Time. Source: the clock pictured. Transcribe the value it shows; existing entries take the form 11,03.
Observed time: 11,44
